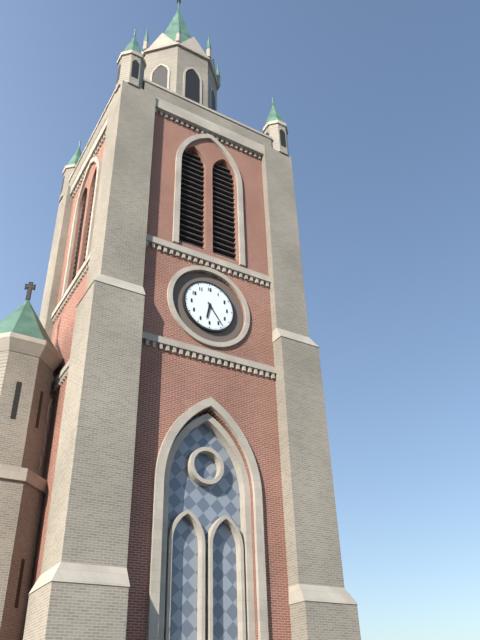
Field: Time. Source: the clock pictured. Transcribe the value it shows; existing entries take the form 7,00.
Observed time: 6,24
